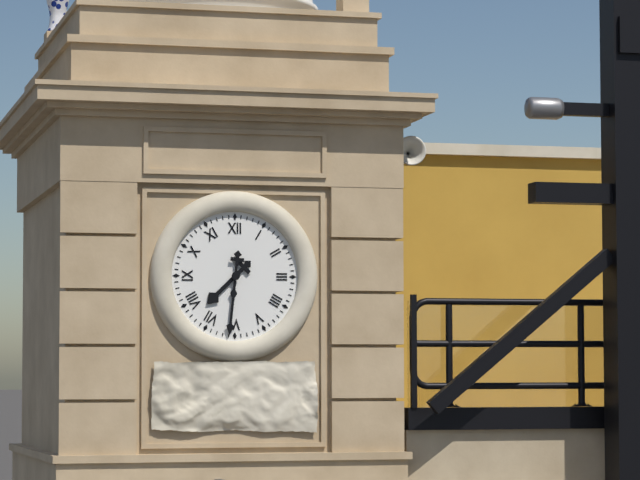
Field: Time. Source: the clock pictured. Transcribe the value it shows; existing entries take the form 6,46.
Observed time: 7,31
